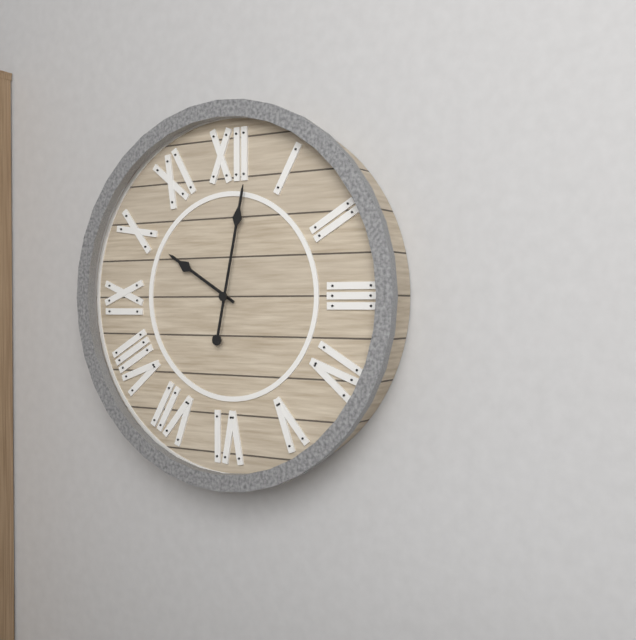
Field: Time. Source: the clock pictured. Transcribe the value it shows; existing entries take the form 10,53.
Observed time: 10,02
